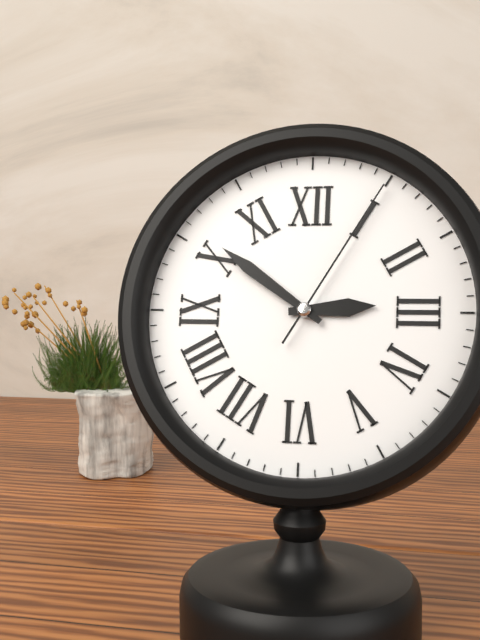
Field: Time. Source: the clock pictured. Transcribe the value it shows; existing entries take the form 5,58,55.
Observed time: 2,51,05
